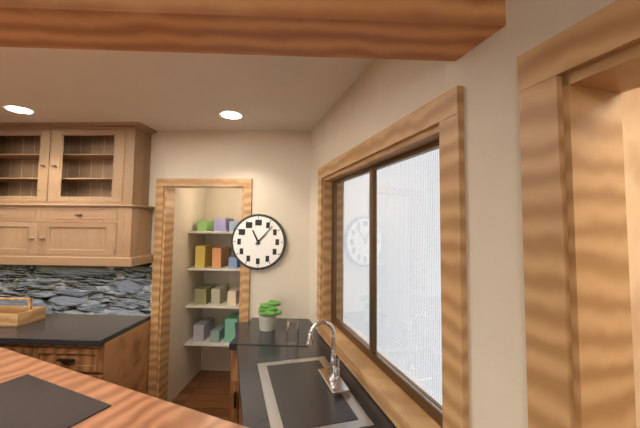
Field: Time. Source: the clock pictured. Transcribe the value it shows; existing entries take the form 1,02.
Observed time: 11,07
